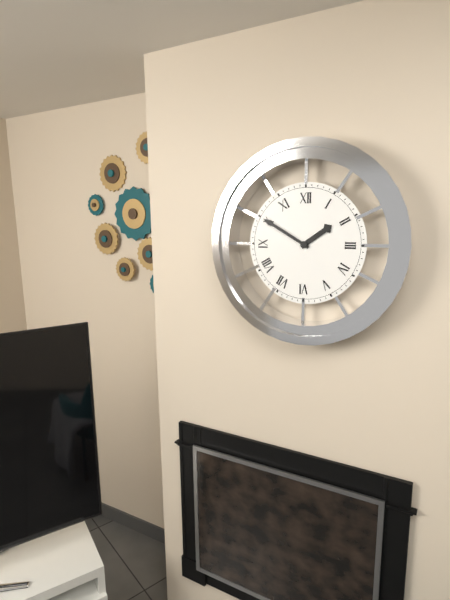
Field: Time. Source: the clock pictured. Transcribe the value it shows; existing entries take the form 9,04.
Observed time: 1,50
